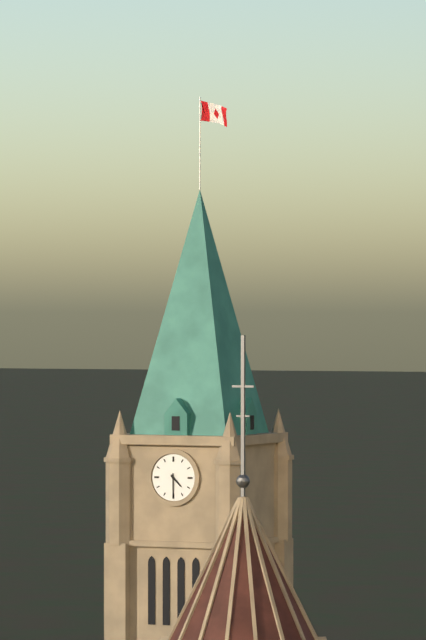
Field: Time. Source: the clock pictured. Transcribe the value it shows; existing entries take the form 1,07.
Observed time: 4,30
